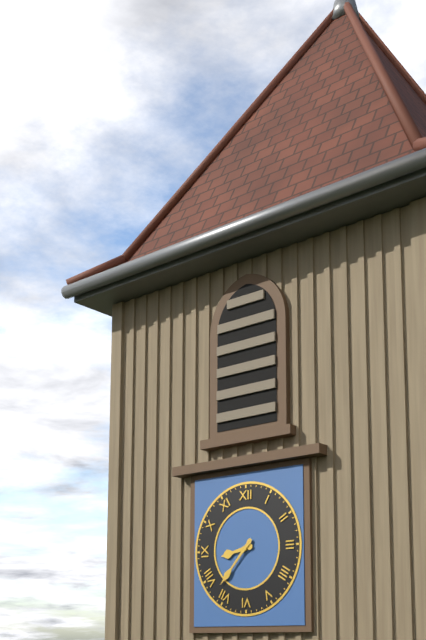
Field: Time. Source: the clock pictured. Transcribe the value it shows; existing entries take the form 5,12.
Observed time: 8,37
